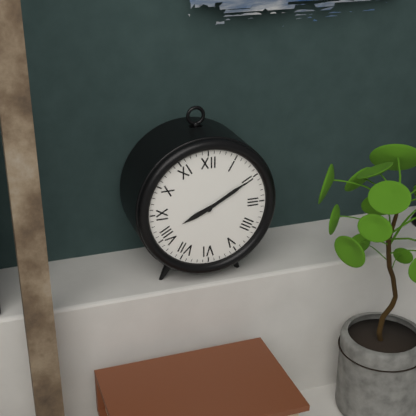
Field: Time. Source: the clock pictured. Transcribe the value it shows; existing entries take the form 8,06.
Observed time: 8,10
